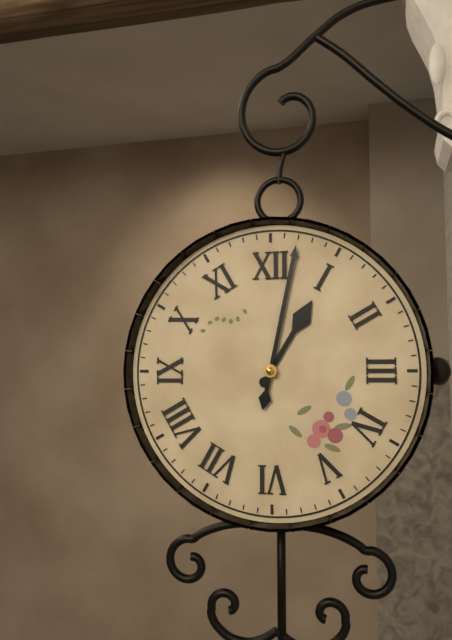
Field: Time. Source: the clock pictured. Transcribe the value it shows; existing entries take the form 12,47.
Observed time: 1,02
